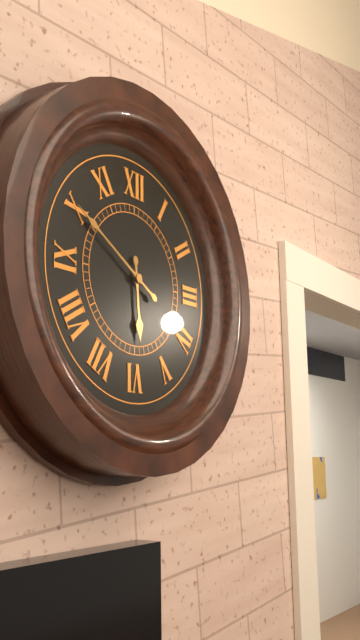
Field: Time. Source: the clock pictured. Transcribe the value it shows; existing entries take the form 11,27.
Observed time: 5,50
